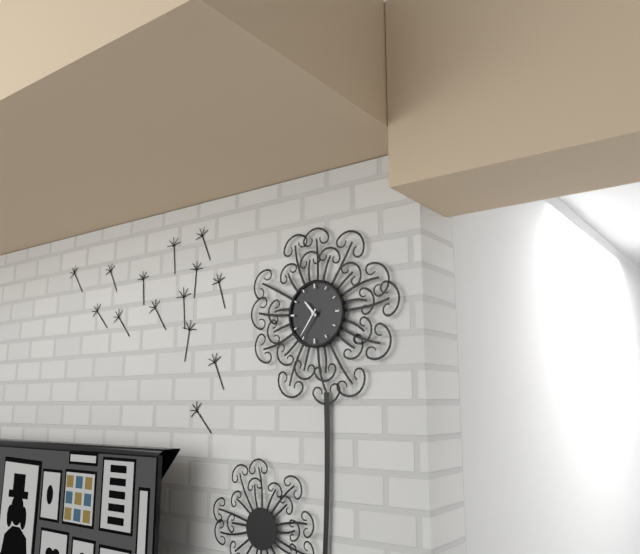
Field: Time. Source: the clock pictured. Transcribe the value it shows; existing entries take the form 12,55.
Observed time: 10,36
